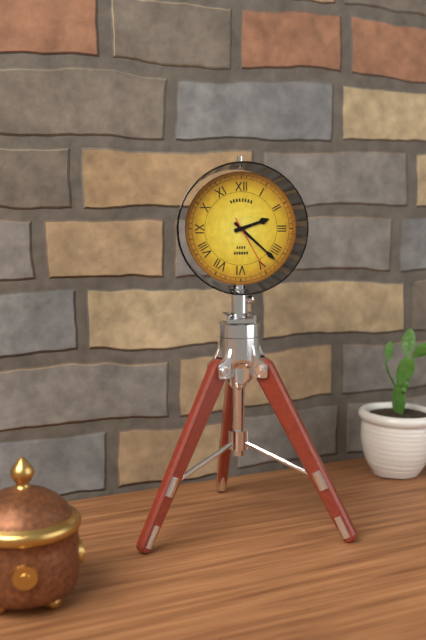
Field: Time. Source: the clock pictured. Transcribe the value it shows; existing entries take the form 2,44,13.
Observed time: 2,22,25
